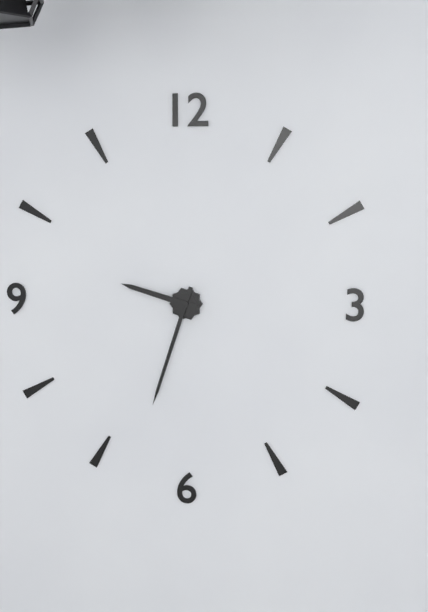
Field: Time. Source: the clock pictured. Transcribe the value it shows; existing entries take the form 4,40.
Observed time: 9,33
